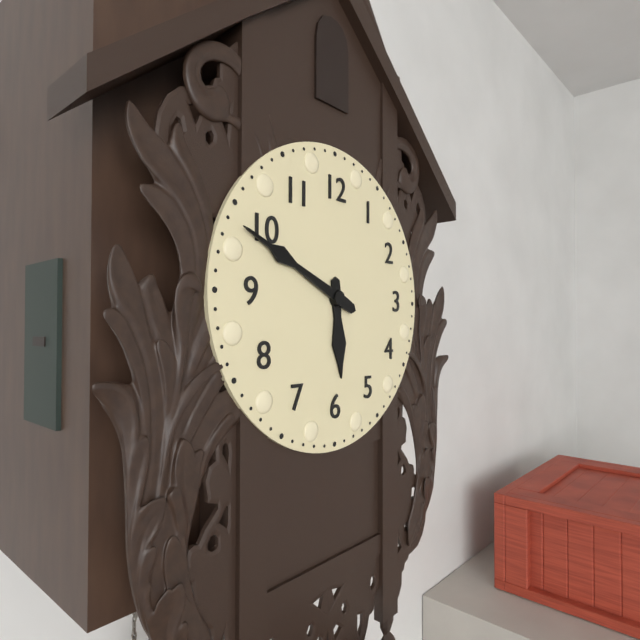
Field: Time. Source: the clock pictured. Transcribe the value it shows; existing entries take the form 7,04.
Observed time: 5,49
